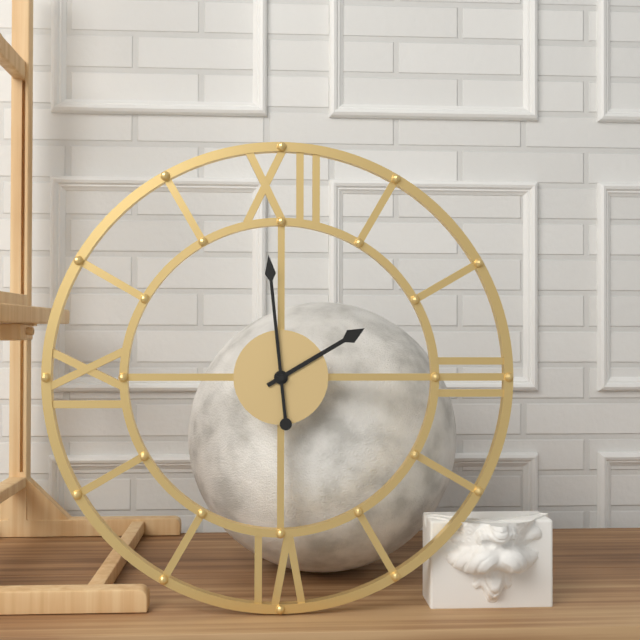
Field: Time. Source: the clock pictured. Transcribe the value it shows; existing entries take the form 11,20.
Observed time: 1,59
